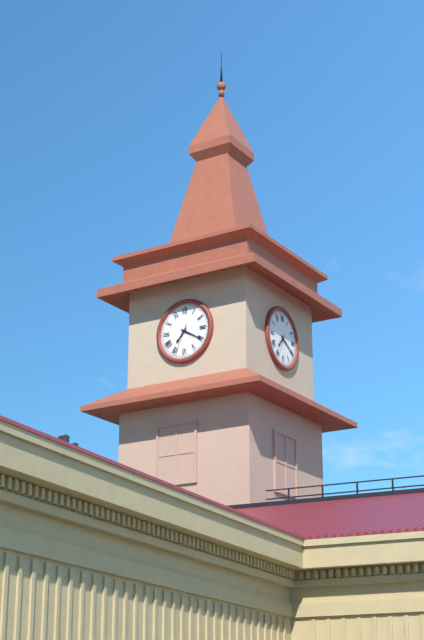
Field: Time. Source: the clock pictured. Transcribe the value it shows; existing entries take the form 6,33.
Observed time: 7,20
